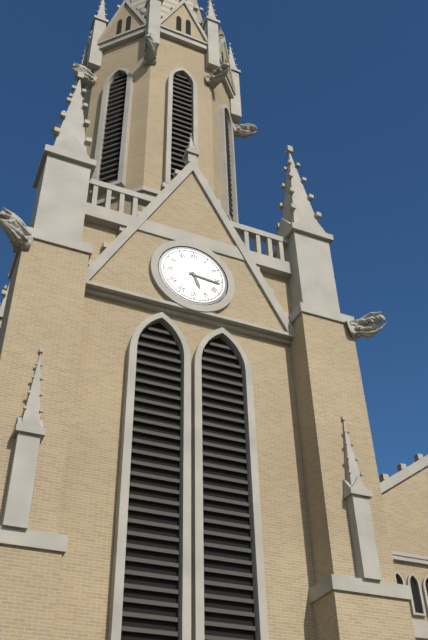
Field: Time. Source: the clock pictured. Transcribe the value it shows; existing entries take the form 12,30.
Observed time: 5,16
